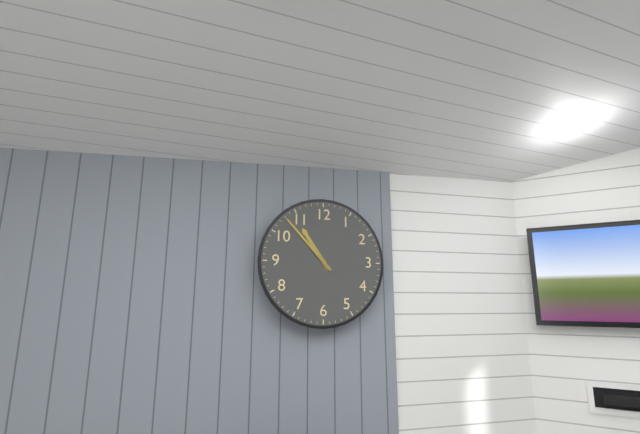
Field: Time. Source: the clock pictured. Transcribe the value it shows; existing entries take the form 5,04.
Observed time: 10,53
